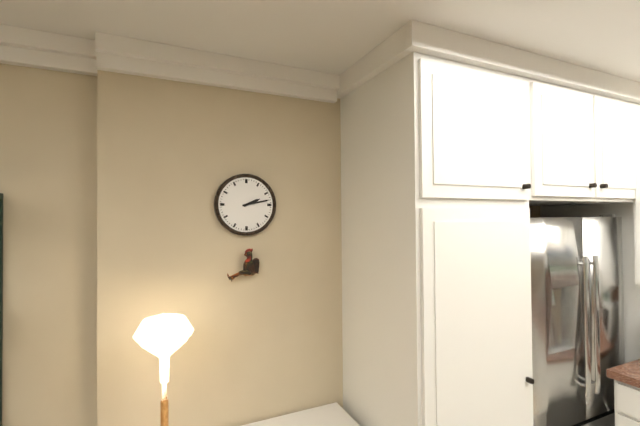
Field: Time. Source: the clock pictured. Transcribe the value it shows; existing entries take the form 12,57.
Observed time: 2,13
